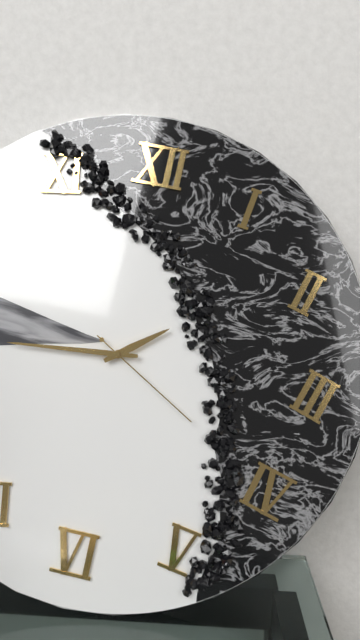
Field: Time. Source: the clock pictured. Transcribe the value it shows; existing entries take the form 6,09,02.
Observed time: 1,44,20
